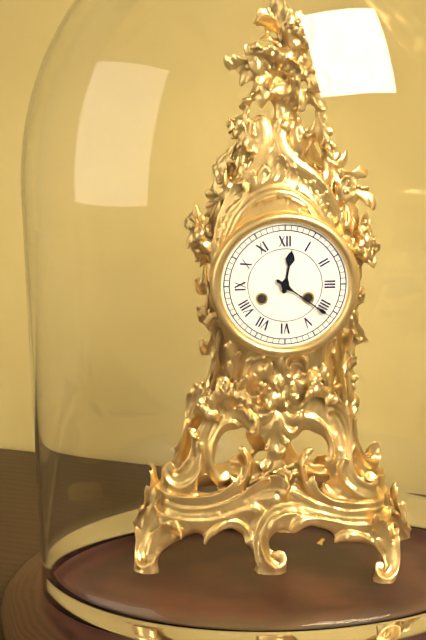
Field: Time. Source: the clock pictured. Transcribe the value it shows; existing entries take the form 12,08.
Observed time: 12,21
